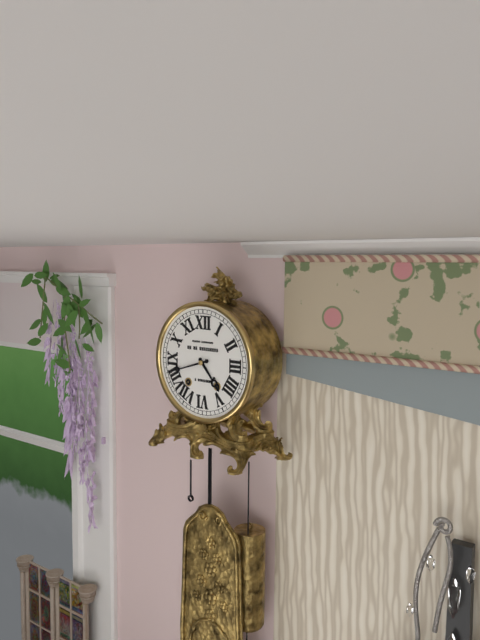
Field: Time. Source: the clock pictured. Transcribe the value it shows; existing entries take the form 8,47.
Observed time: 4,42
